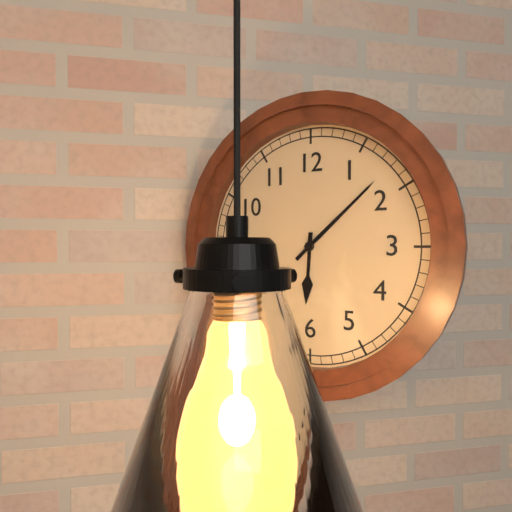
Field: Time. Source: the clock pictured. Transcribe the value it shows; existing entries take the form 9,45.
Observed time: 6,08
